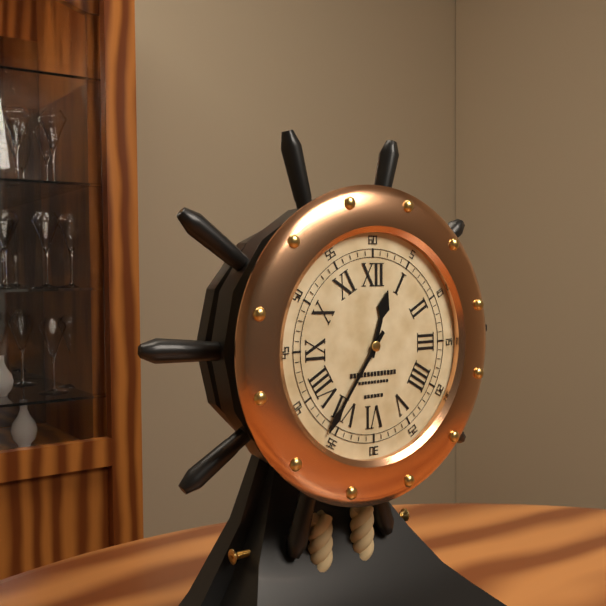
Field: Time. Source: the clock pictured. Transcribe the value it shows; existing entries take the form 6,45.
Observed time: 12,36
